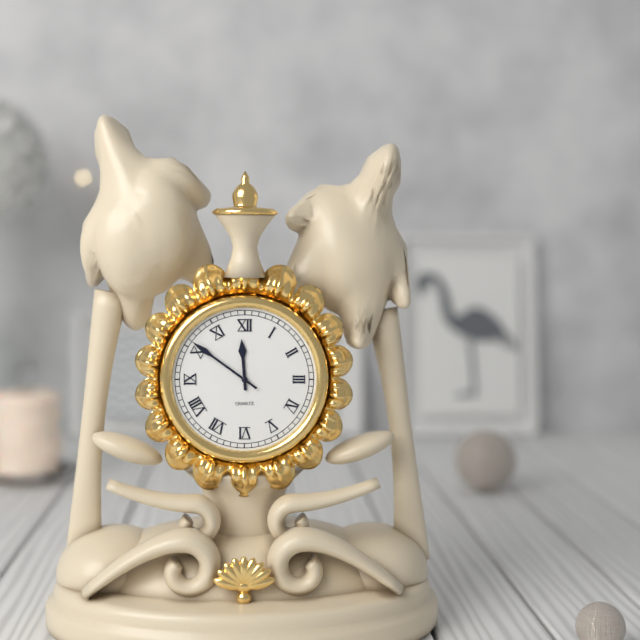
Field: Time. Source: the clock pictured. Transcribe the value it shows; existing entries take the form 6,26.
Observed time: 11,51
